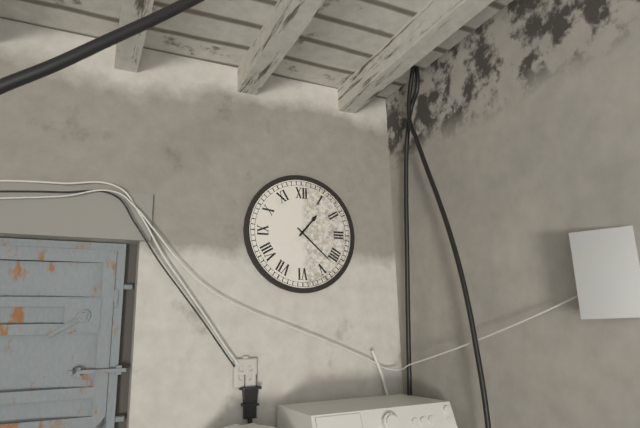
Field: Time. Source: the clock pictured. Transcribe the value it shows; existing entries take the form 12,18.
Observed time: 1,22
